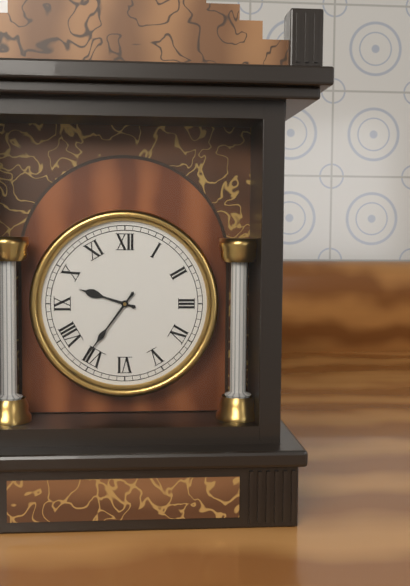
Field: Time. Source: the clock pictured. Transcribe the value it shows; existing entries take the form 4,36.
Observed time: 9,36
